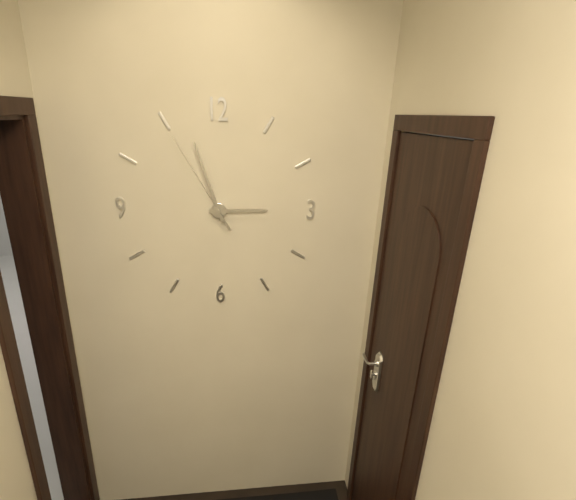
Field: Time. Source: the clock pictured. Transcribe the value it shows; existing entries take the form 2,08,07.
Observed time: 2,57,55
